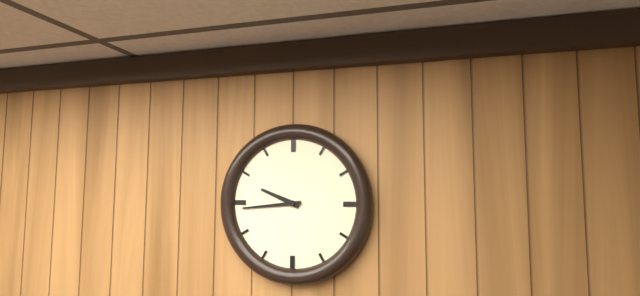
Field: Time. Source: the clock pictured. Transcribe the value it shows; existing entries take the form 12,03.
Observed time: 9,44
